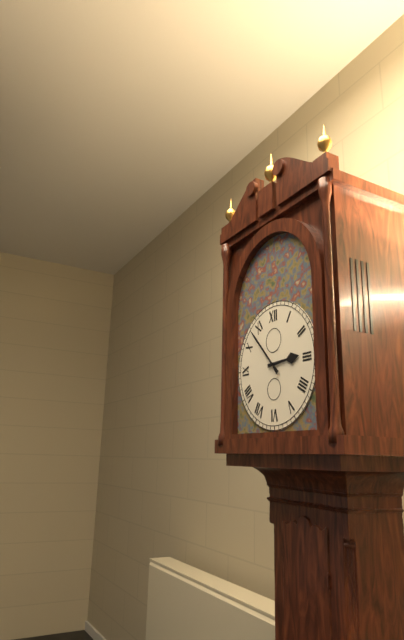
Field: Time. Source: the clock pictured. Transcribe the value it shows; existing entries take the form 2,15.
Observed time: 2,53
